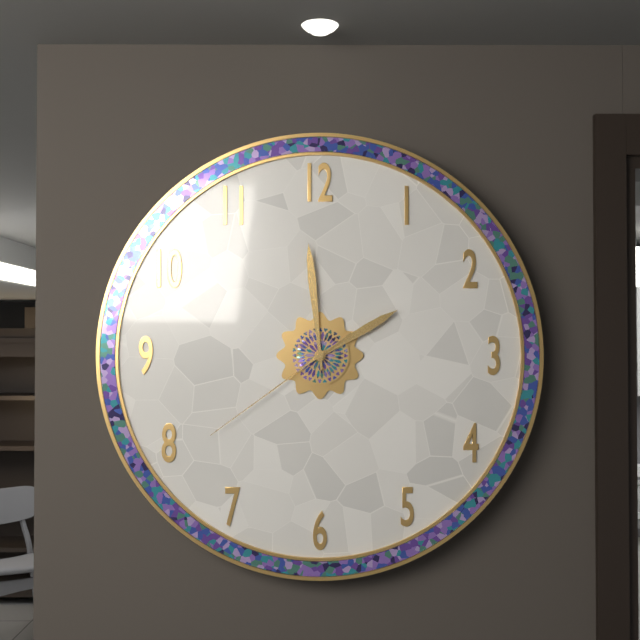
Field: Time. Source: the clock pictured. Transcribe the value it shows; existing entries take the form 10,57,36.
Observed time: 1,59,39
